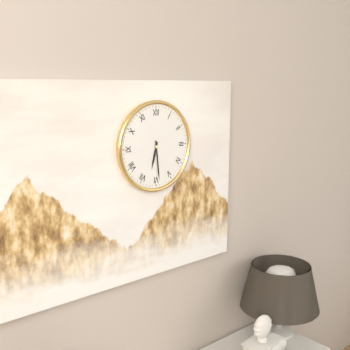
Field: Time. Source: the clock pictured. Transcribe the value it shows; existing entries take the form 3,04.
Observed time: 6,29
